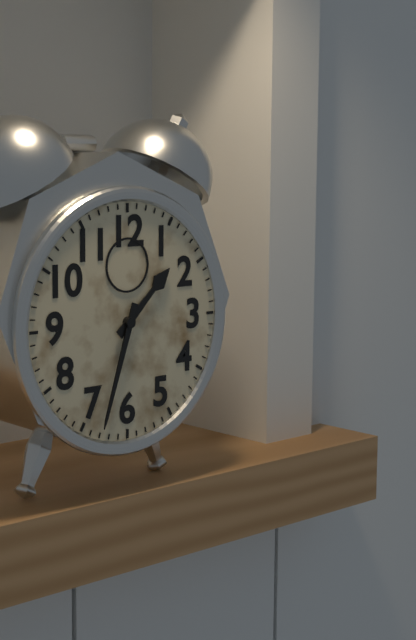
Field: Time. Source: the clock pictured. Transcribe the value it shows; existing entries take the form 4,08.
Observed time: 1,33
